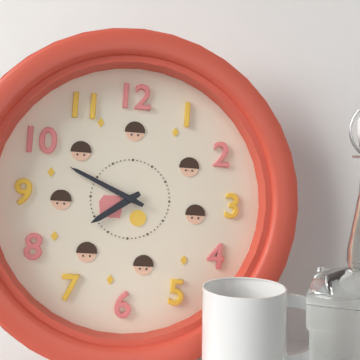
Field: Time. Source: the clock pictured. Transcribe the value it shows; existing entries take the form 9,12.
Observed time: 7,49
